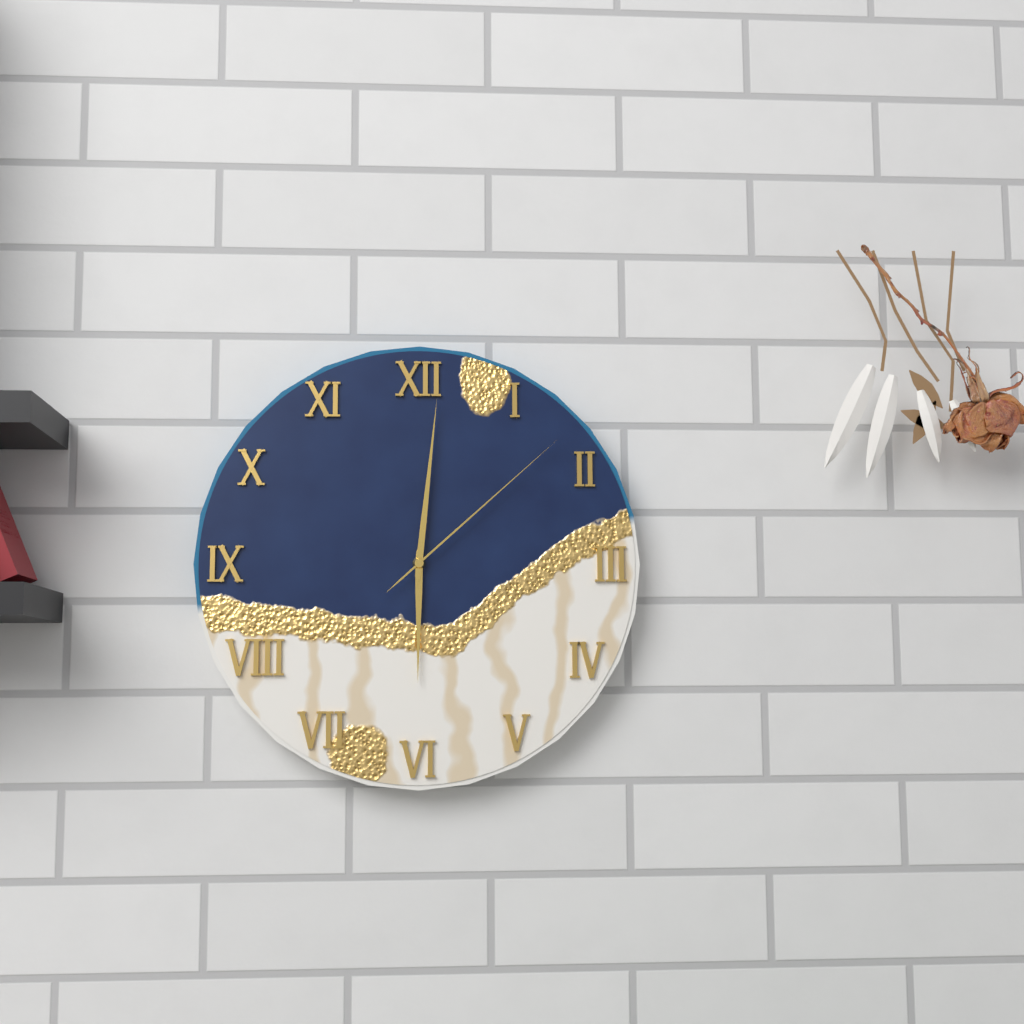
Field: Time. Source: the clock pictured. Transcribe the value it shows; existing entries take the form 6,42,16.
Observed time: 6,01,08
